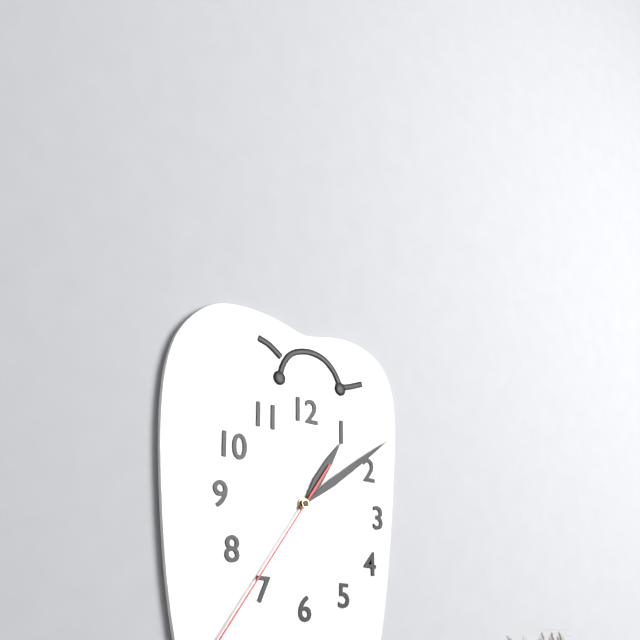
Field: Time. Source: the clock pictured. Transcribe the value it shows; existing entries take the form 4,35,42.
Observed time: 1,09,36
